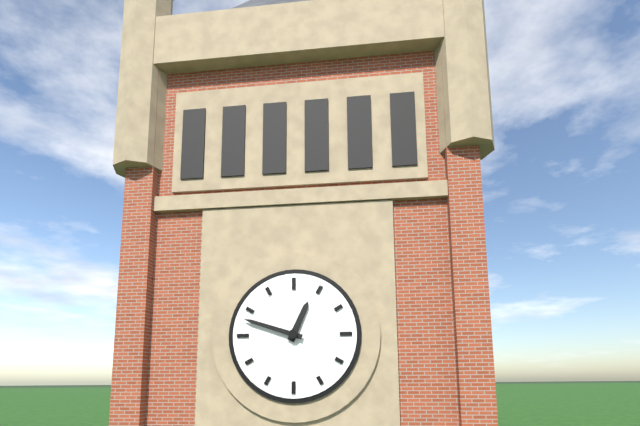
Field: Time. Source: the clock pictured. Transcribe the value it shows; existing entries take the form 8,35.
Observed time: 12,48
